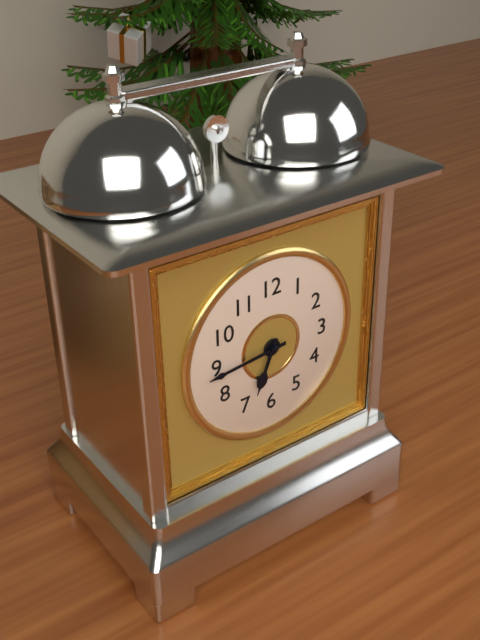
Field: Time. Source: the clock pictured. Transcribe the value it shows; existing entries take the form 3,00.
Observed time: 6,44
